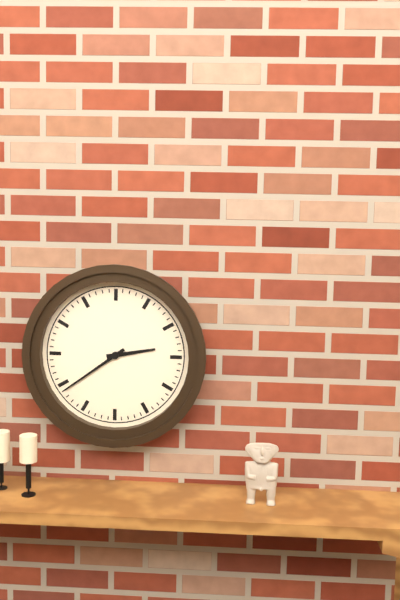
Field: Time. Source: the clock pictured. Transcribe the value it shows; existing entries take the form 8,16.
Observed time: 2,39
